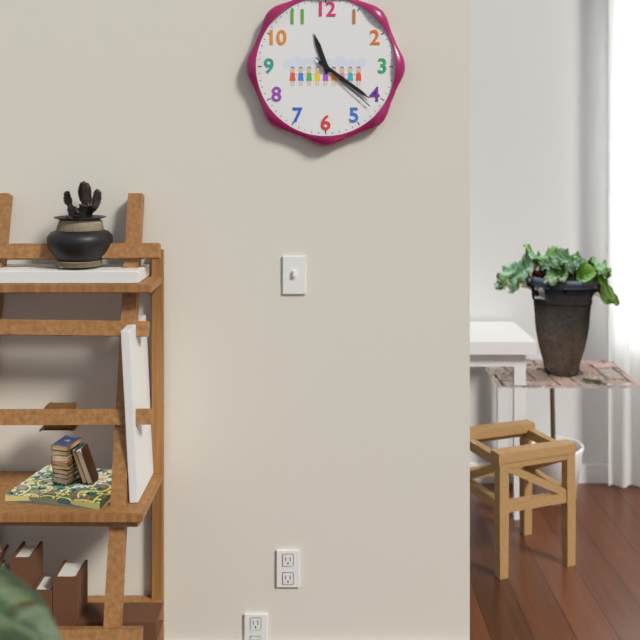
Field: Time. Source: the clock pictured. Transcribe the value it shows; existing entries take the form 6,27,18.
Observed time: 11,21,22
